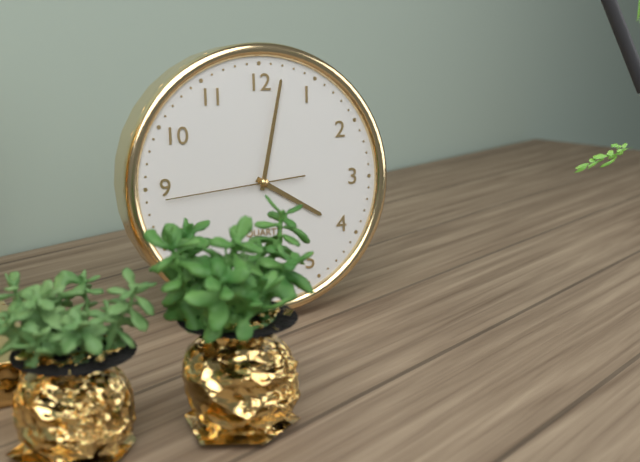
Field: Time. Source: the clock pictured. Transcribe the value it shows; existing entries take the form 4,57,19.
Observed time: 4,02,44
